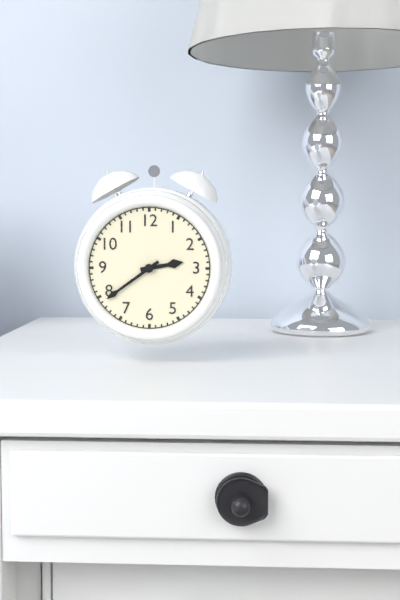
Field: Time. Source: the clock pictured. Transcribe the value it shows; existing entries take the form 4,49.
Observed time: 2,39
